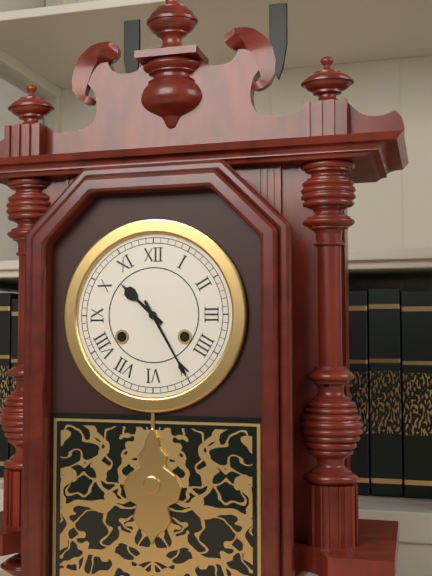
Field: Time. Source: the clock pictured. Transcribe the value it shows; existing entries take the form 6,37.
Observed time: 10,25
